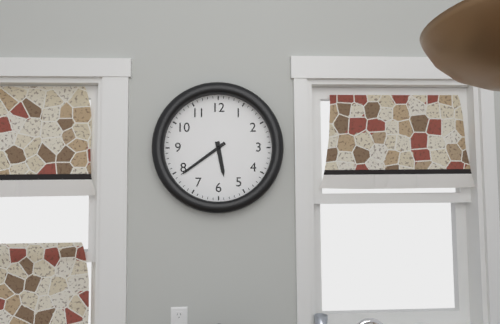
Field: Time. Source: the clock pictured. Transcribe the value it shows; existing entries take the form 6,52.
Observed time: 5,39
